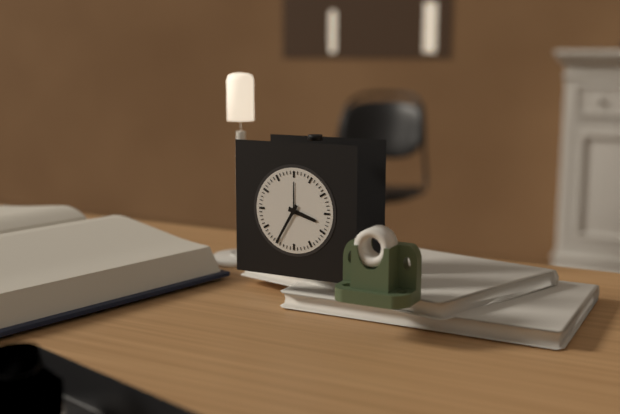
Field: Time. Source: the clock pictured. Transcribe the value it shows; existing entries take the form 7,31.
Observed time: 3,35
